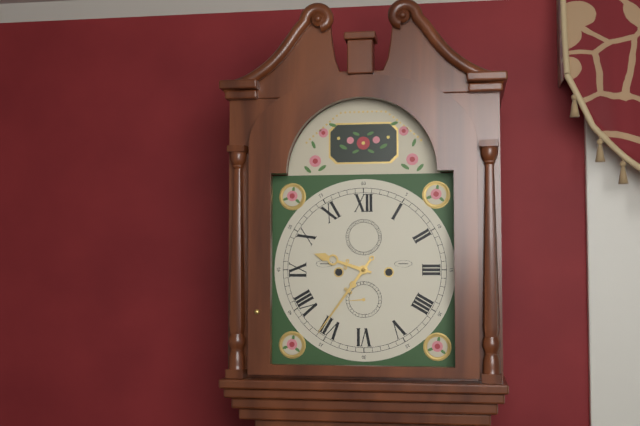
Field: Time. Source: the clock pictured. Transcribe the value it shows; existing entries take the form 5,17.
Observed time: 9,36
